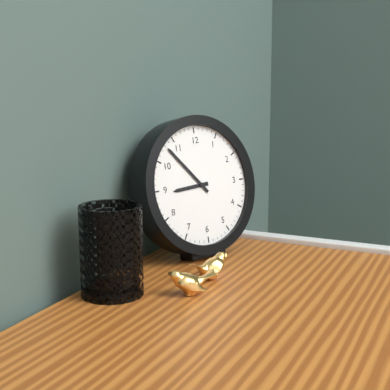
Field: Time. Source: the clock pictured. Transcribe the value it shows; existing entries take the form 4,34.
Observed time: 8,53
